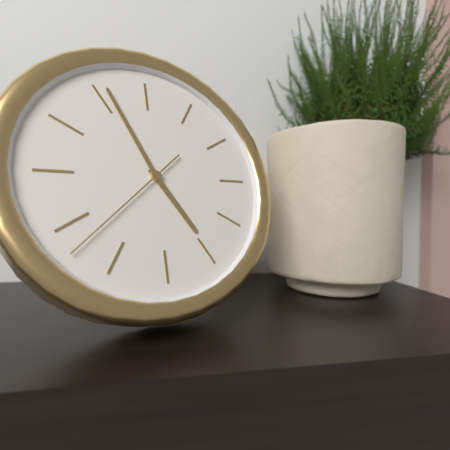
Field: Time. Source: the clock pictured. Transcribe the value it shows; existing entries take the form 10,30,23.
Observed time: 4,56,38
